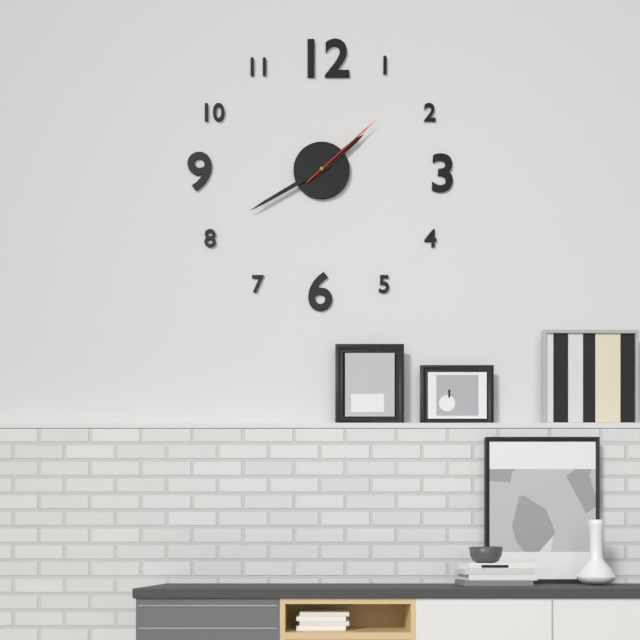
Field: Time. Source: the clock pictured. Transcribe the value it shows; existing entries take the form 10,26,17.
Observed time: 1,40,08
